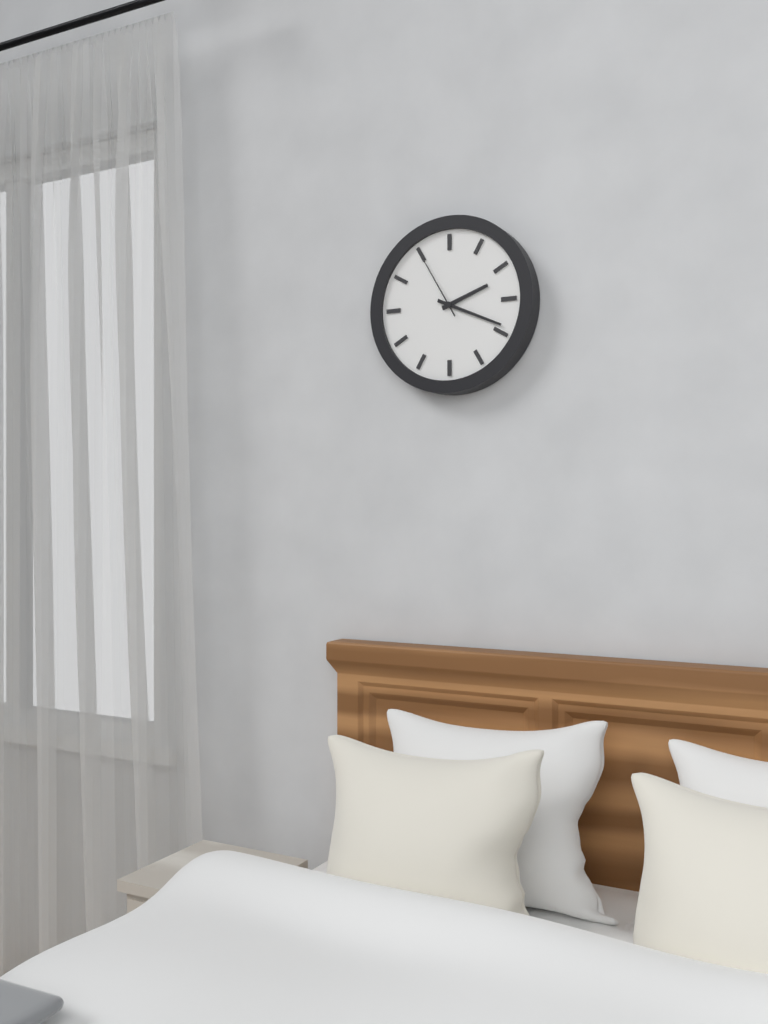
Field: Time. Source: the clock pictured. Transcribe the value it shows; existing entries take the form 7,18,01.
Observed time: 2,19,55
